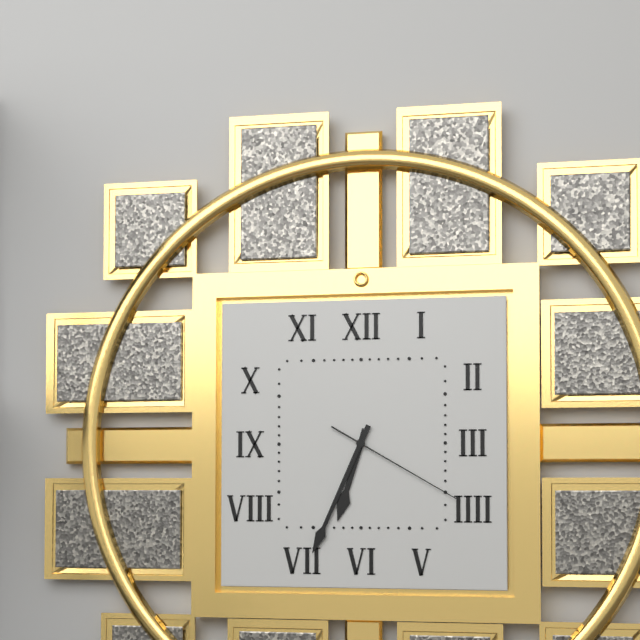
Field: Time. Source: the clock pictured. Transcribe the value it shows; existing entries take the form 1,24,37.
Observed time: 6,34,20
